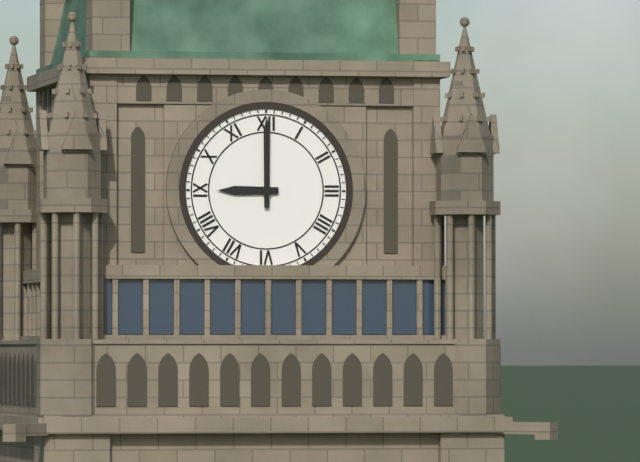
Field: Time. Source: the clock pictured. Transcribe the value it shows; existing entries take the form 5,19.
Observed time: 9,00
